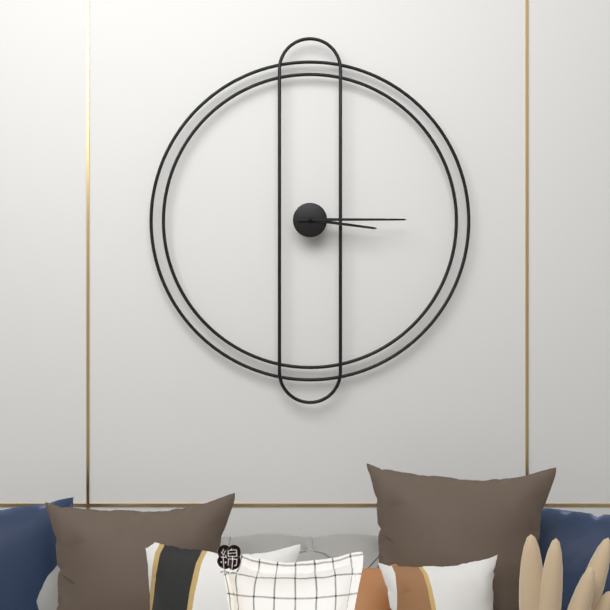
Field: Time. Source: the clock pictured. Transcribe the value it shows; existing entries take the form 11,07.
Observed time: 3,15
